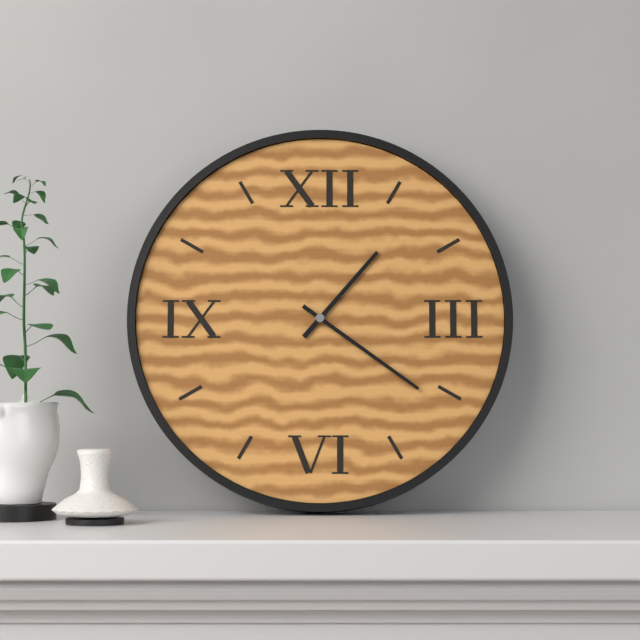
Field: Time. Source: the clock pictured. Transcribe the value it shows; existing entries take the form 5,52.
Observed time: 1,21
